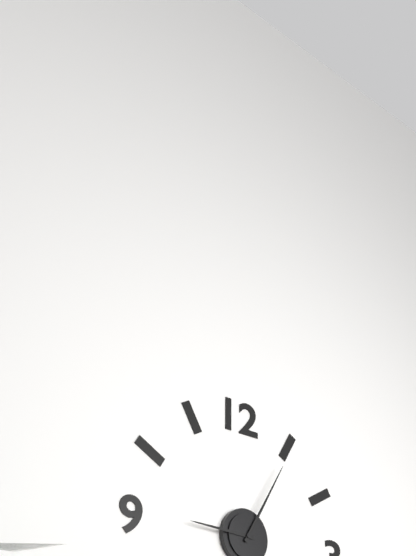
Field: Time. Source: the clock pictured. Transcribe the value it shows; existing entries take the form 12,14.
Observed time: 9,05
